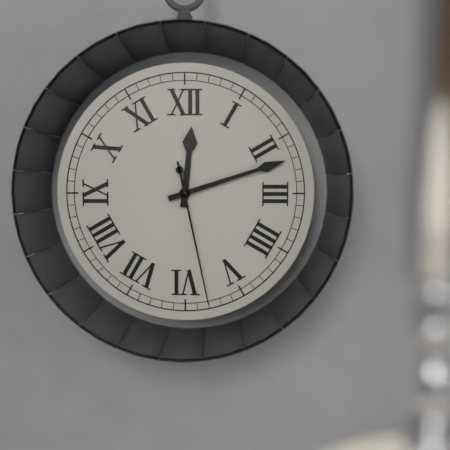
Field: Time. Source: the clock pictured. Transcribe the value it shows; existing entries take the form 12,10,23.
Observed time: 12,12,28
